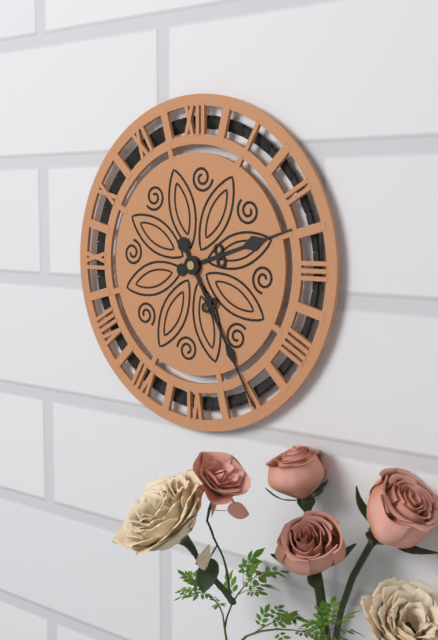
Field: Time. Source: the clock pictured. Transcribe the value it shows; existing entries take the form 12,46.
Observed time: 2,25
